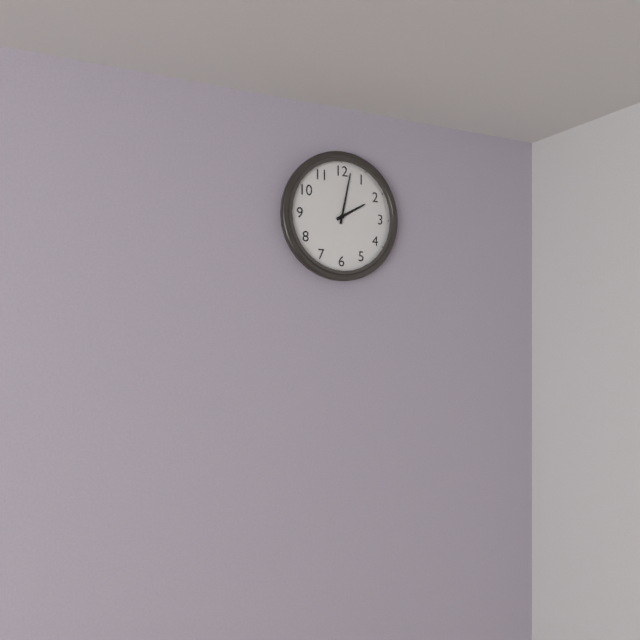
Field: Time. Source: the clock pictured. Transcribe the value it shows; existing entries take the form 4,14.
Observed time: 2,02
